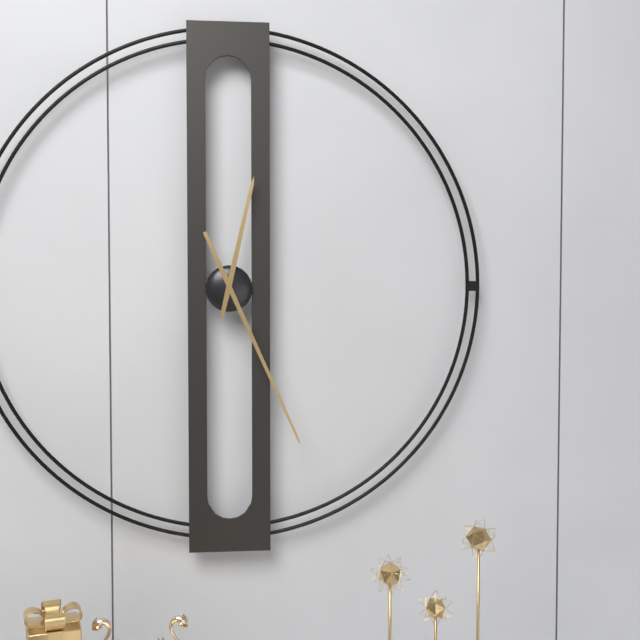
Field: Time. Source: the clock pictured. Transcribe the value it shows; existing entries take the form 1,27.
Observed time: 12,26
